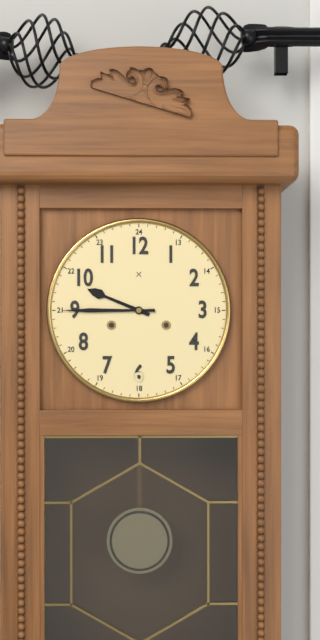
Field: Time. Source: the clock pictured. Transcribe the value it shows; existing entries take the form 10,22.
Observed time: 9,45
